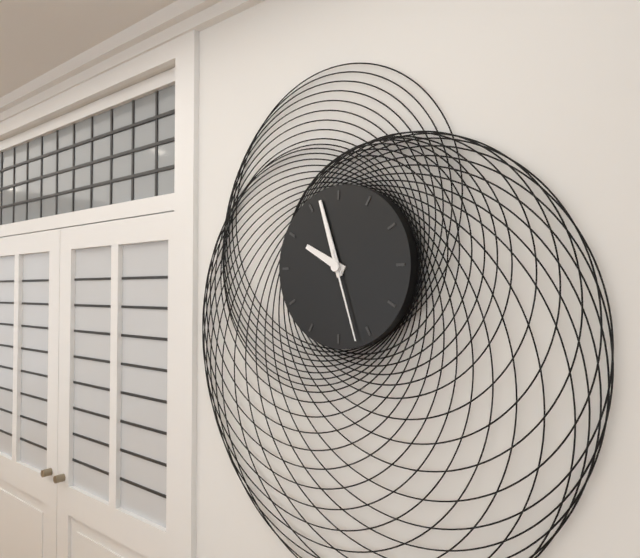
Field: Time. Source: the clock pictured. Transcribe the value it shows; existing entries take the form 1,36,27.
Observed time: 9,57,27
